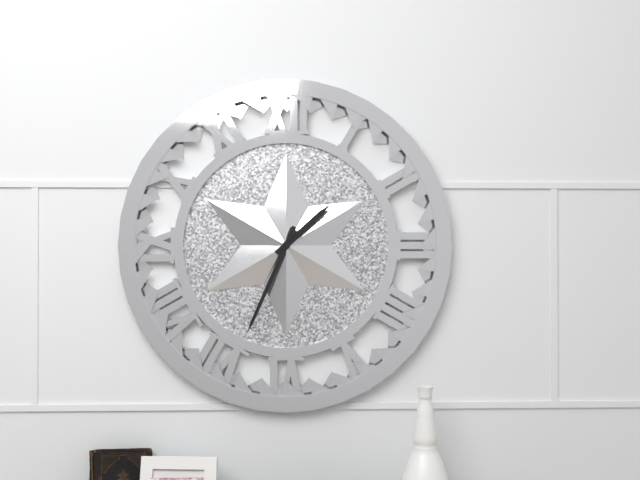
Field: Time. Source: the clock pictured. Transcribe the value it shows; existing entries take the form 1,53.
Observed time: 1,34
